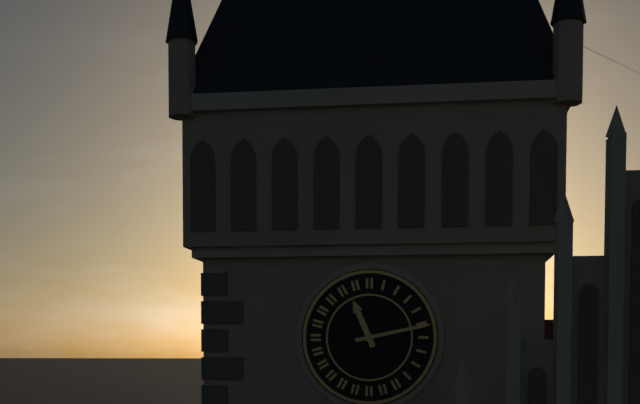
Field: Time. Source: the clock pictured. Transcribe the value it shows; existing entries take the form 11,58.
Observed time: 11,13
